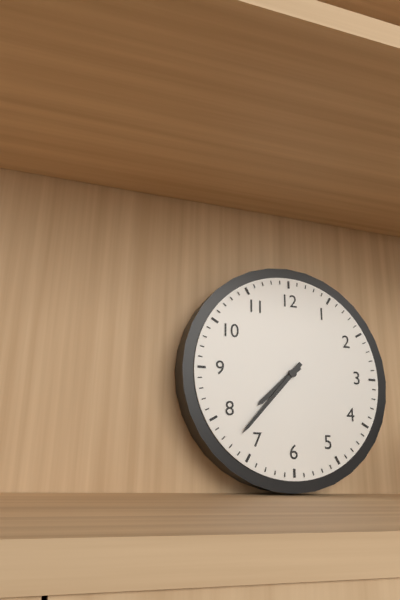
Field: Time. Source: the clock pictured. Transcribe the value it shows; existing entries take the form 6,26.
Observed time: 7,37
